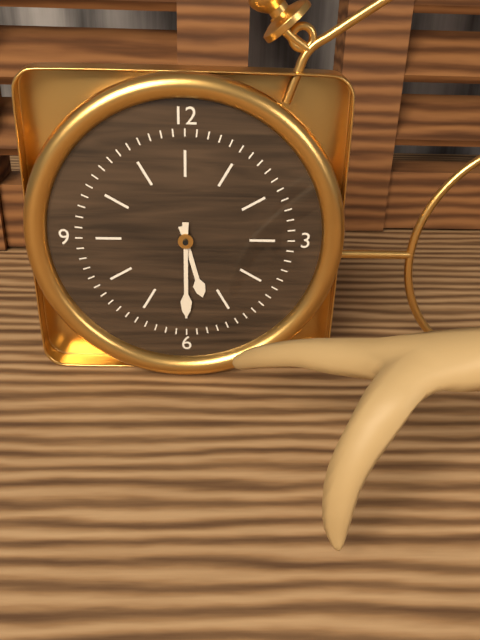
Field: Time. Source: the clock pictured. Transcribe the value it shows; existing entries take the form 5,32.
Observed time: 5,30
